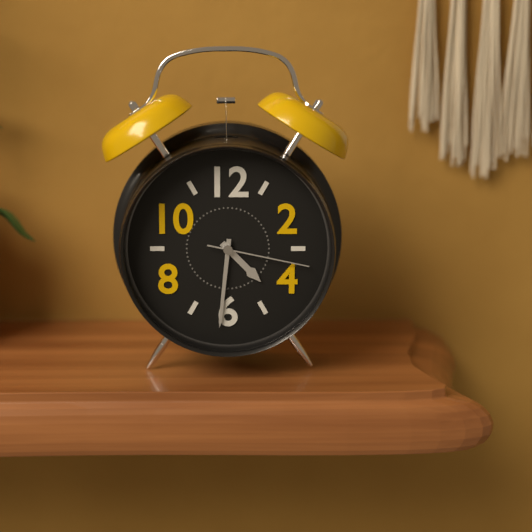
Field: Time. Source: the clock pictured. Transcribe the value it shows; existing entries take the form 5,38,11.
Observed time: 4,31,17
